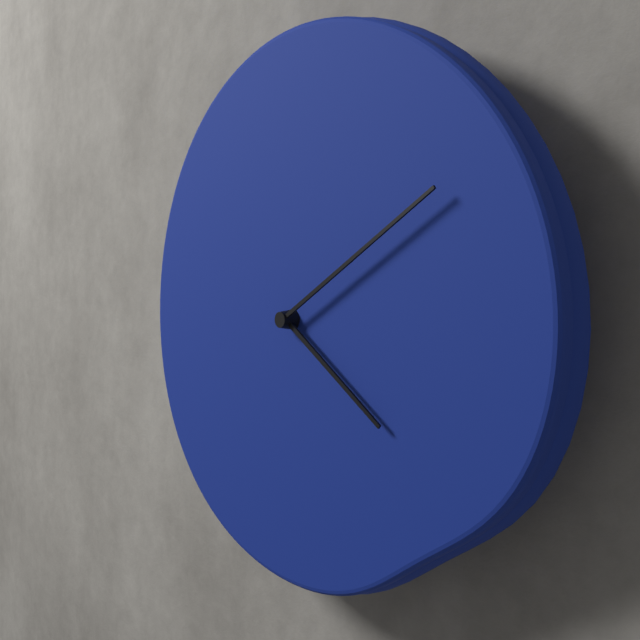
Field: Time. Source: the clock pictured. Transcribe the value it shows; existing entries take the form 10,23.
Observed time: 4,10
